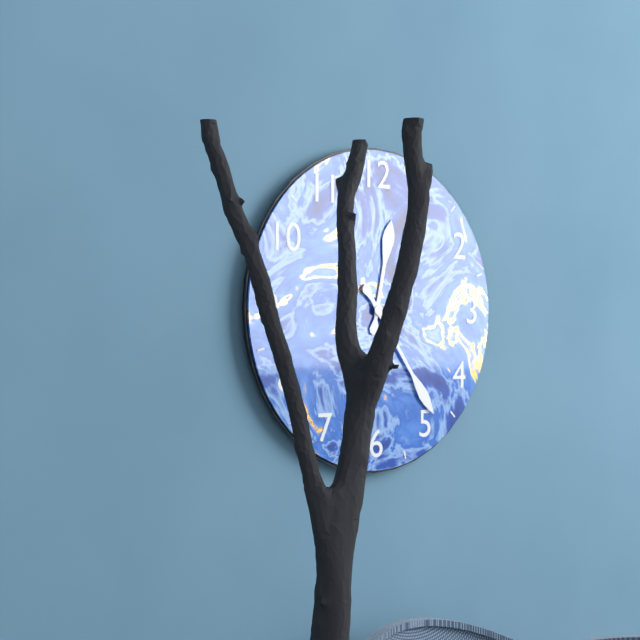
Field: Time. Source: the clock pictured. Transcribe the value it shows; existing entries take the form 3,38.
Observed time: 12,24
